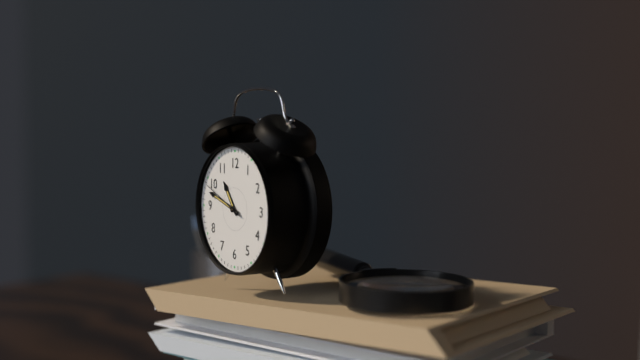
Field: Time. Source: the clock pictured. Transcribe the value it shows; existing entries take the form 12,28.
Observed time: 10,48
